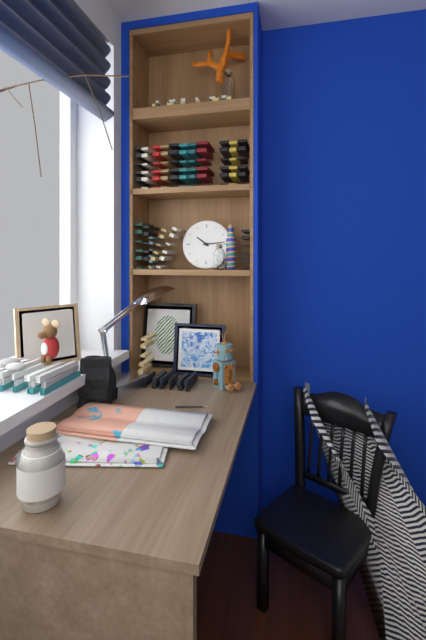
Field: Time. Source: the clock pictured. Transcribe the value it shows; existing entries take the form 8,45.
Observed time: 10,14
